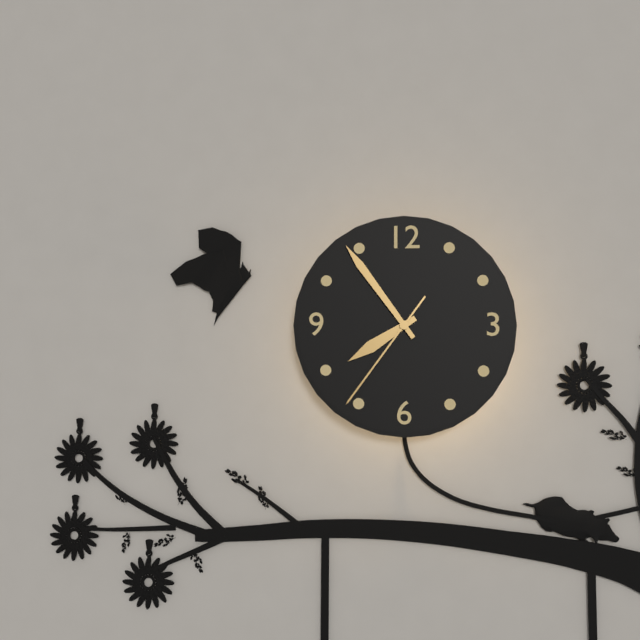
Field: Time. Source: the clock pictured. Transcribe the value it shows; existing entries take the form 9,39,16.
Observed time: 7,54,36
